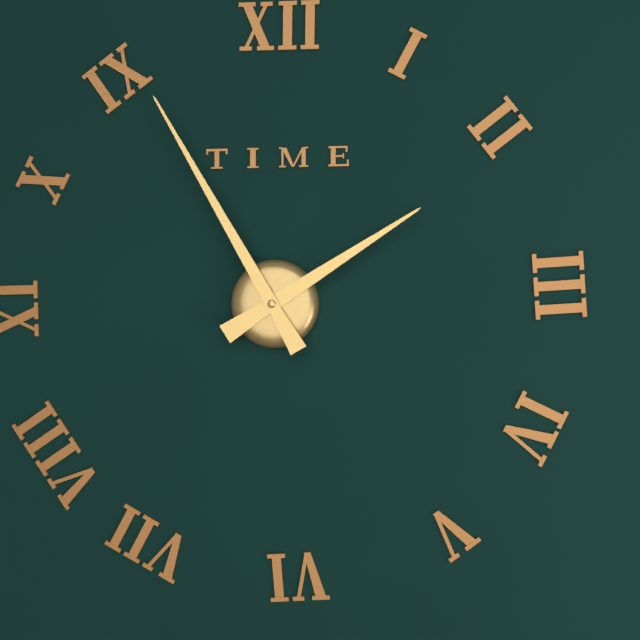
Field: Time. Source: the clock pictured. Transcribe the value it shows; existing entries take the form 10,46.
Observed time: 1,55
